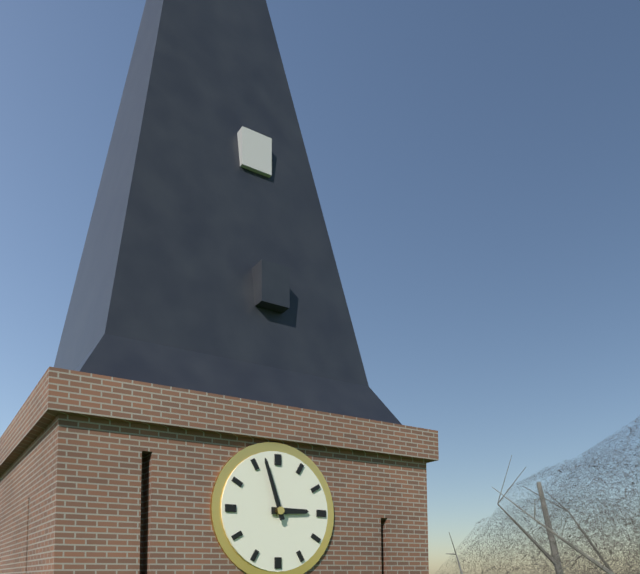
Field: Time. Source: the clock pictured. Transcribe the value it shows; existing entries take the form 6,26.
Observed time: 2,57
